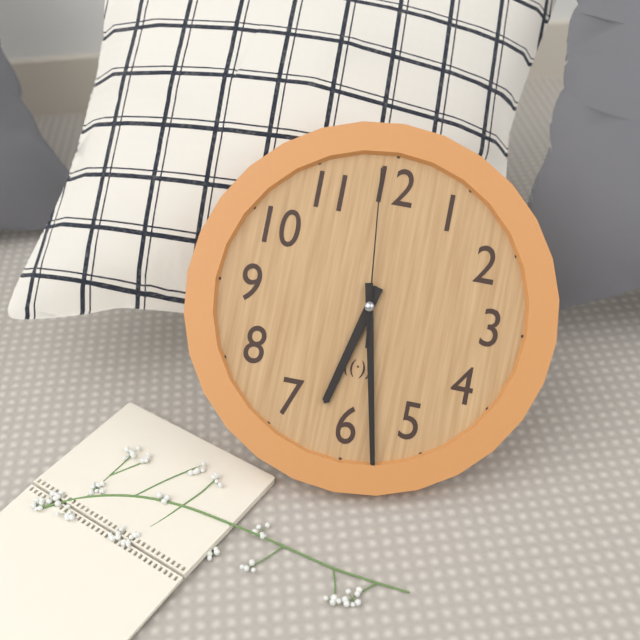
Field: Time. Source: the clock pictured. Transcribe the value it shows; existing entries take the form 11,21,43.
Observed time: 6,28,59
